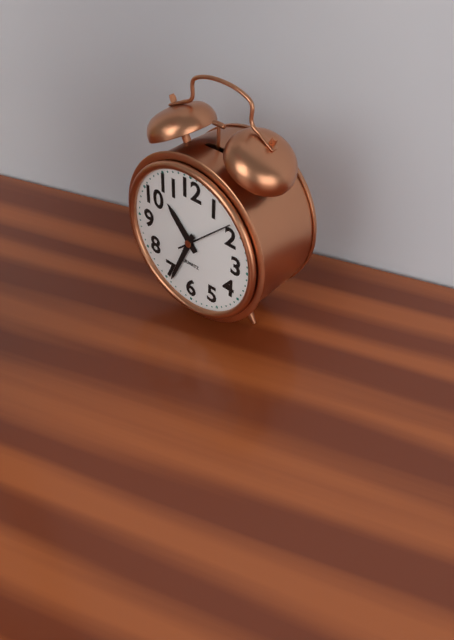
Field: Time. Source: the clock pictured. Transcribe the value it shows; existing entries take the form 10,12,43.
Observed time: 10,34,08
